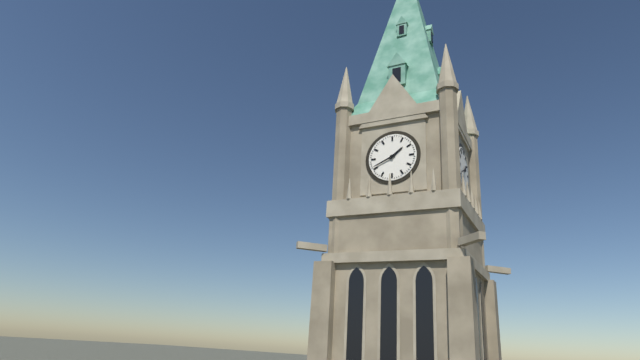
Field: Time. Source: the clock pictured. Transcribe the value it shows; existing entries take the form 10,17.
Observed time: 1,41
